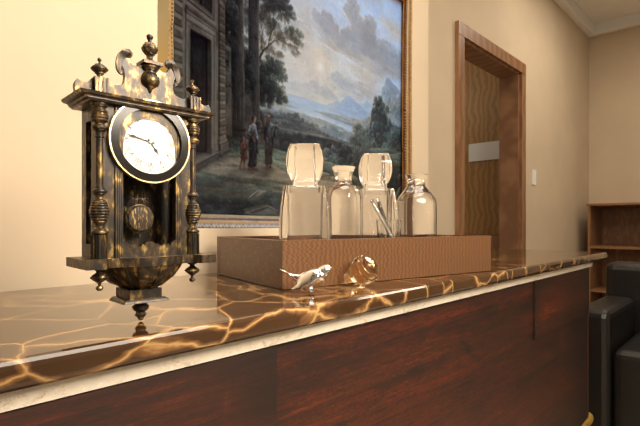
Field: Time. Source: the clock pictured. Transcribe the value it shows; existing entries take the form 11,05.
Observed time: 4,47
